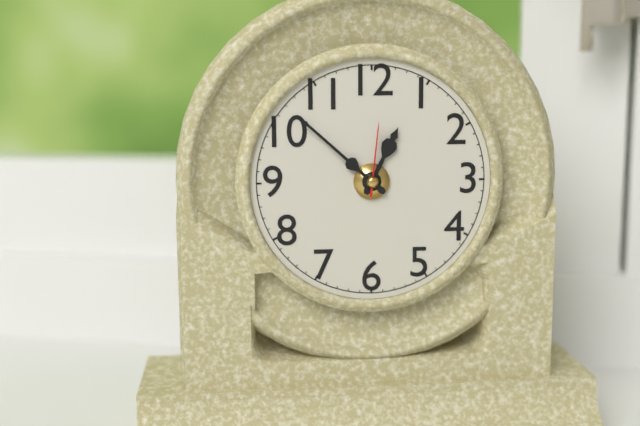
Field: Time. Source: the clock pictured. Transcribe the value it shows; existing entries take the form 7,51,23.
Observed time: 12,52,01
